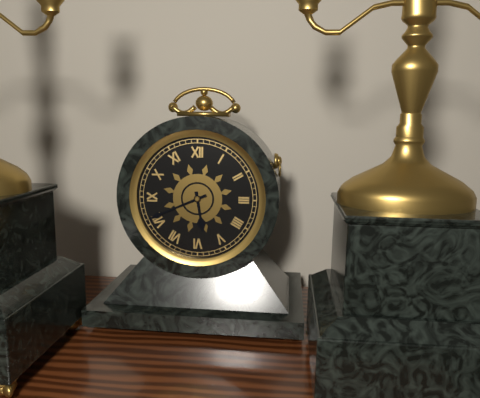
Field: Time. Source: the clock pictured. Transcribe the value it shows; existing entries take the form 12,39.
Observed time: 5,41
